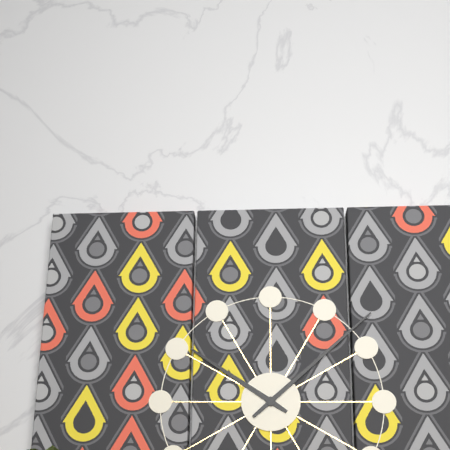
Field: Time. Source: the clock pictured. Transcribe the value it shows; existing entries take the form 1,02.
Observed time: 10,08
